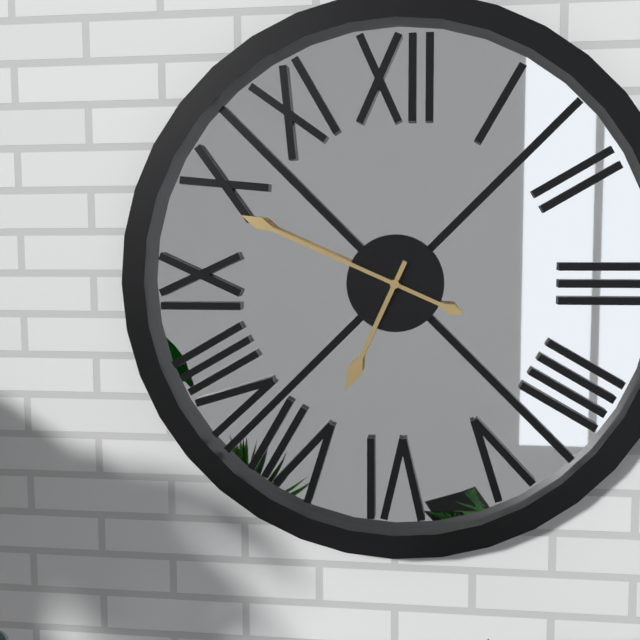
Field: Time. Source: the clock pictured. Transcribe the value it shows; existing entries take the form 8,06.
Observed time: 6,49
